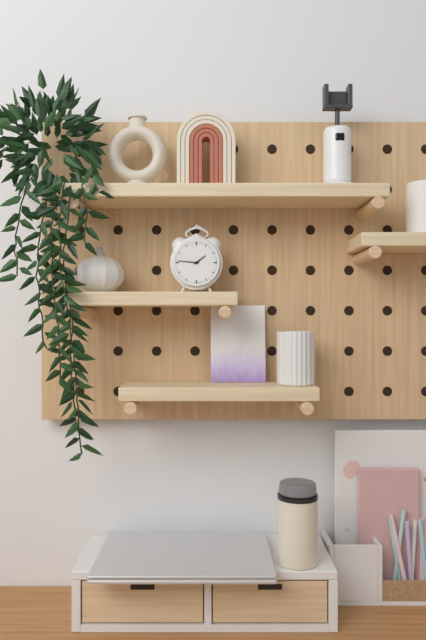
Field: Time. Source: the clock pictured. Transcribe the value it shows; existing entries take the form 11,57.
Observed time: 1,46
